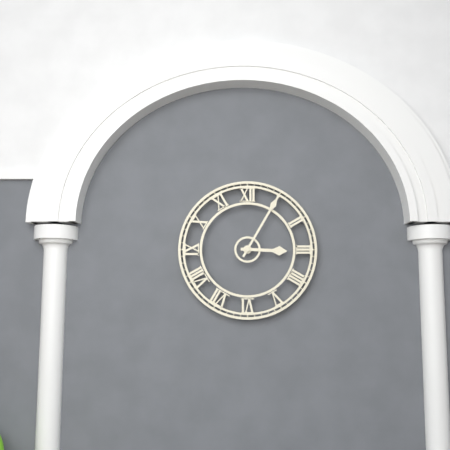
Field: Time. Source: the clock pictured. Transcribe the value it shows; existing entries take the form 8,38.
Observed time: 3,05
